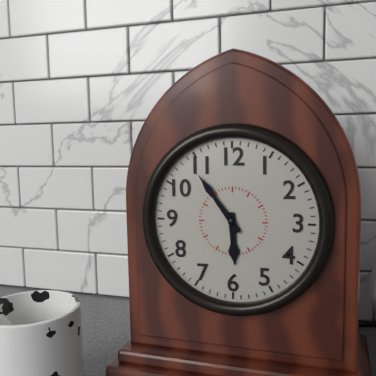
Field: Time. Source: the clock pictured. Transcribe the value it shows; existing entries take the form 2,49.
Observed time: 5,54
